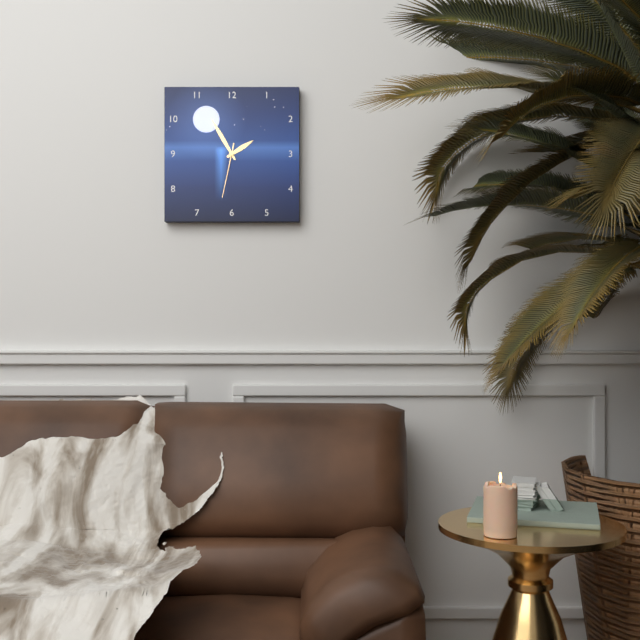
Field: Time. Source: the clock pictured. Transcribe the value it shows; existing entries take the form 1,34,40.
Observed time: 1,55,32
